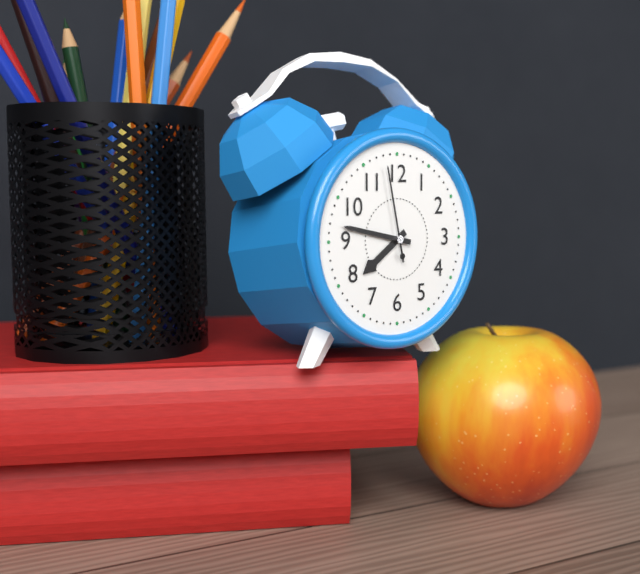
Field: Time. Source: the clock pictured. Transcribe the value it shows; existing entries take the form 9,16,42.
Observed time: 7,47,58
